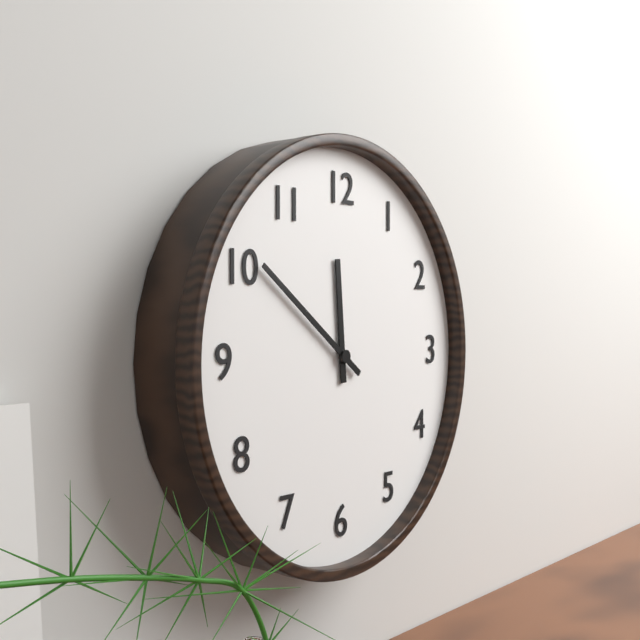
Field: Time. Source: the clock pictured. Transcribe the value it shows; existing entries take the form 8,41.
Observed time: 11,51
